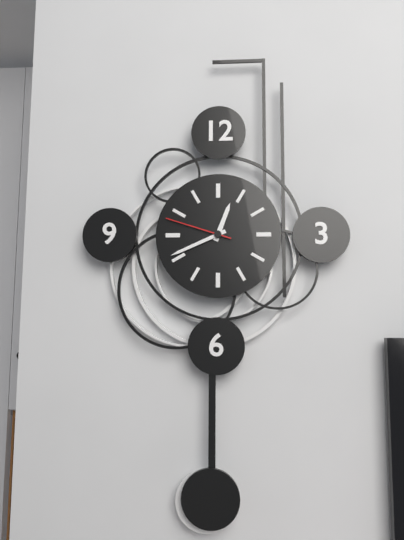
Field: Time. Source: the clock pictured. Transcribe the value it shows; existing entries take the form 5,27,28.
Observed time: 12,41,48
